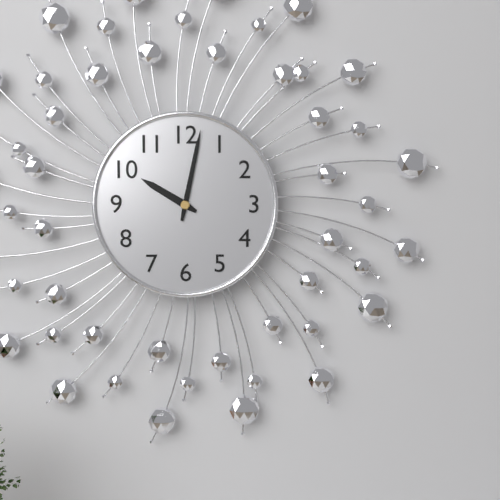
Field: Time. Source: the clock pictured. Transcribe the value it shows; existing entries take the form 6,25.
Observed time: 10,02
